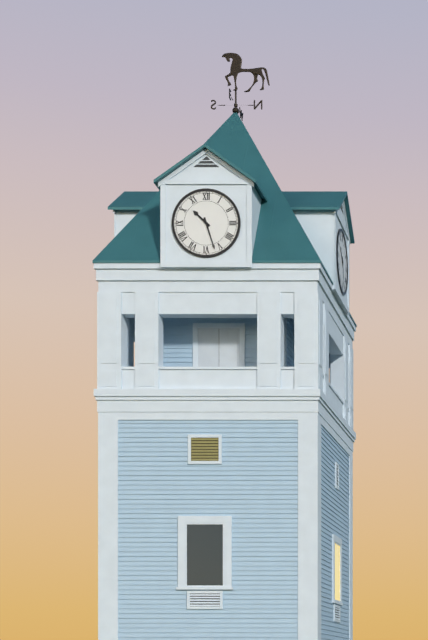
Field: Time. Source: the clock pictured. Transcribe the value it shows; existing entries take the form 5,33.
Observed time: 10,27
